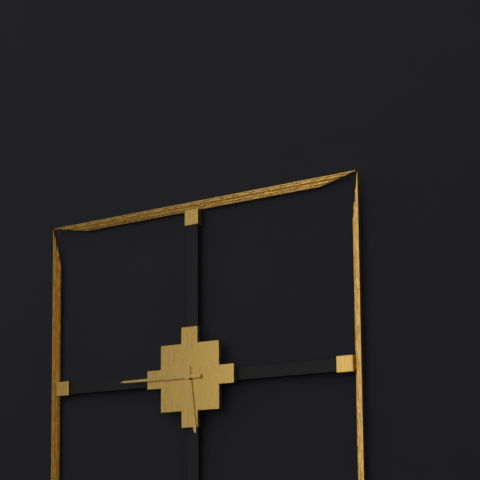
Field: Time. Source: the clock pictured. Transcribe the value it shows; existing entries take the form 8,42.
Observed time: 5,45
